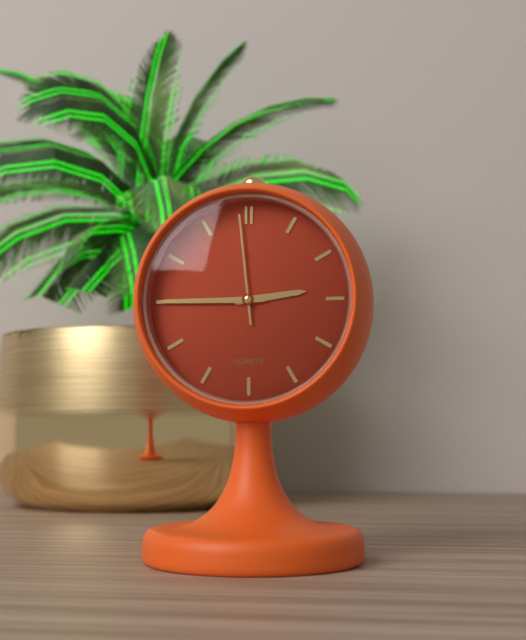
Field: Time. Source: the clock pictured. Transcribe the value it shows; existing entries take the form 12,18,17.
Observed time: 2,45,59
